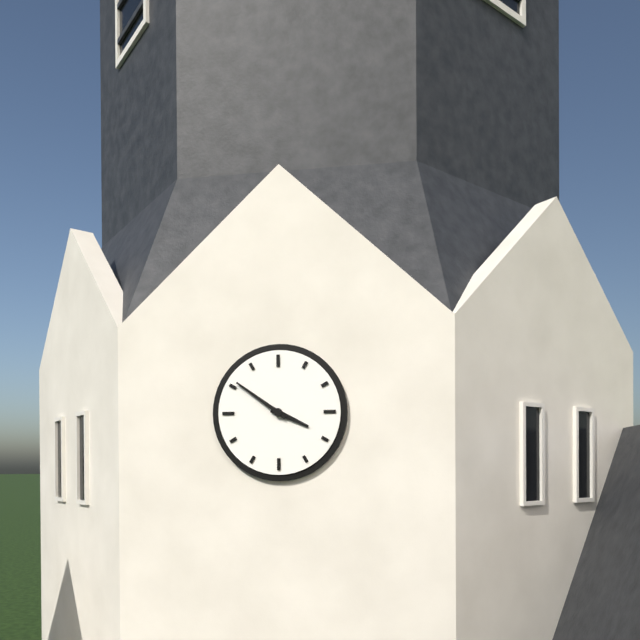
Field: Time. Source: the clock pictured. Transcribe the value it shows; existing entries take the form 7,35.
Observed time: 3,51
